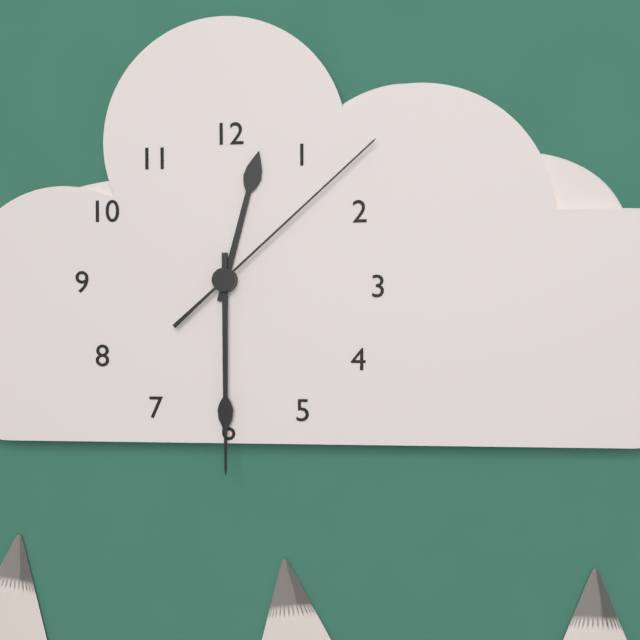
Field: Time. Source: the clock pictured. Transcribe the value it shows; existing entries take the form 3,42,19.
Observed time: 12,30,08
